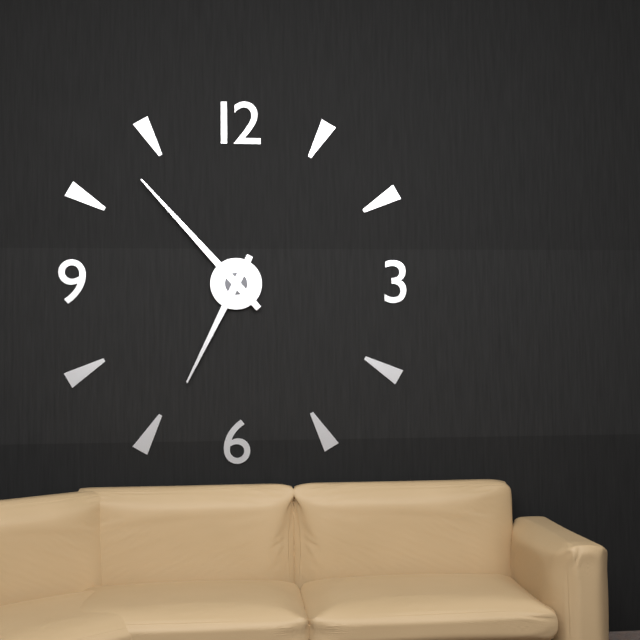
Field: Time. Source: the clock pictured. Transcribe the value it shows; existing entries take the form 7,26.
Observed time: 6,53
